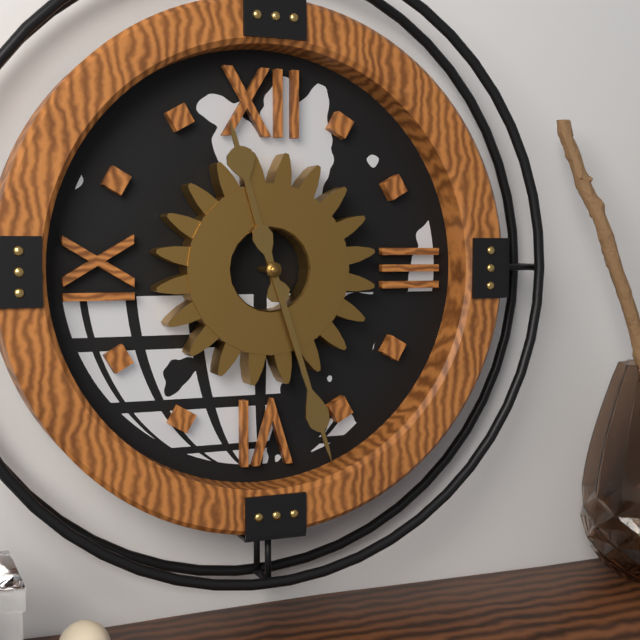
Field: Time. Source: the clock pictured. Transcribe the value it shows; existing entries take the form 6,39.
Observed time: 11,27
